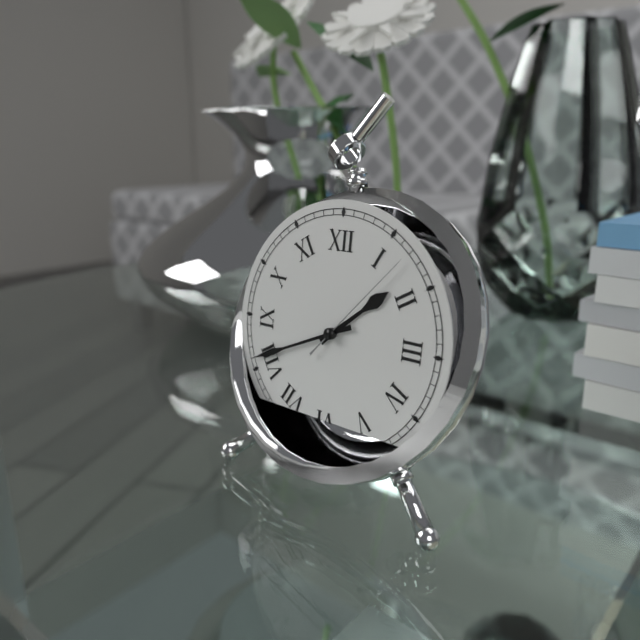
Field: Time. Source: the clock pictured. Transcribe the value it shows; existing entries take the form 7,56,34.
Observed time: 1,41,07
